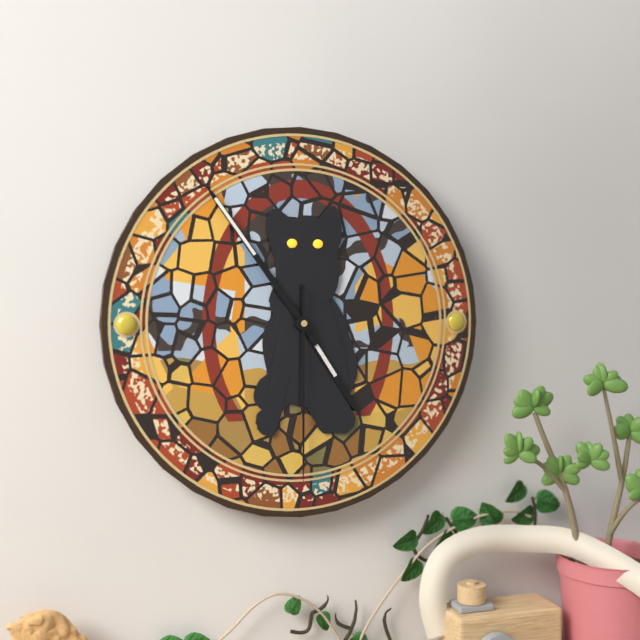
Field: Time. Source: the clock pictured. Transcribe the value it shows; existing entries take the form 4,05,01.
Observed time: 4,54,30
